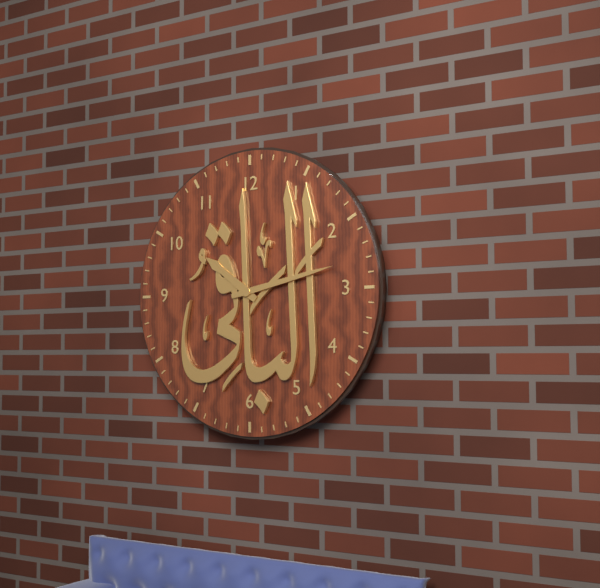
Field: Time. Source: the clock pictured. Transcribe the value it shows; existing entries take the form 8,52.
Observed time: 10,13
